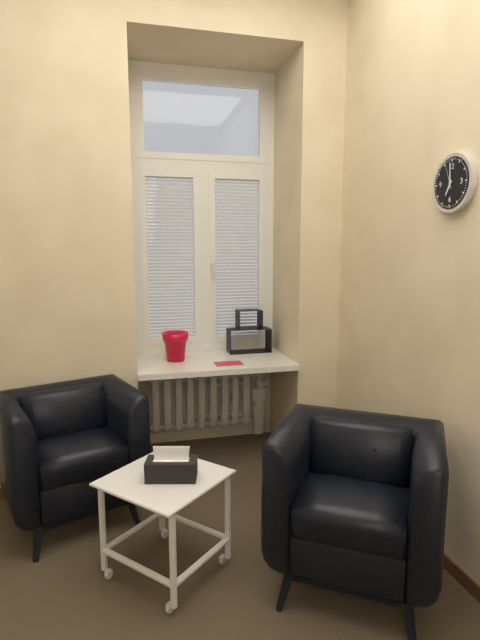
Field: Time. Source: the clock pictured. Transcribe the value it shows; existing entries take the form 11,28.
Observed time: 6,59
